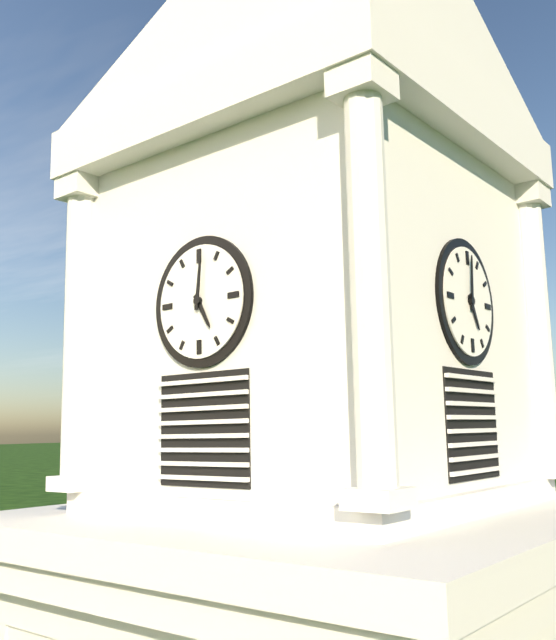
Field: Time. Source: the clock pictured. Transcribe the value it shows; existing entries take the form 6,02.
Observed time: 5,01
